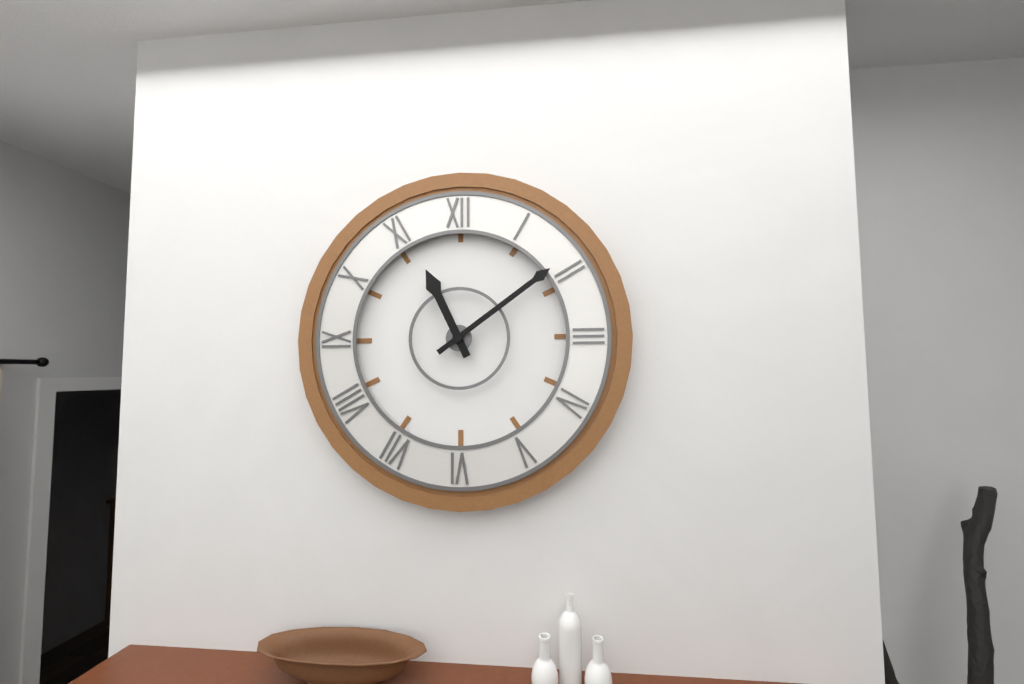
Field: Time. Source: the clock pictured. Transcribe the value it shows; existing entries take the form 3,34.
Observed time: 11,09
